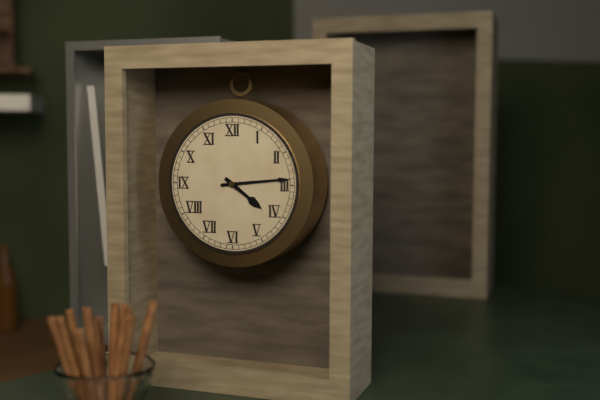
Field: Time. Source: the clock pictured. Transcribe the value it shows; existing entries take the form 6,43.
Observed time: 4,14
